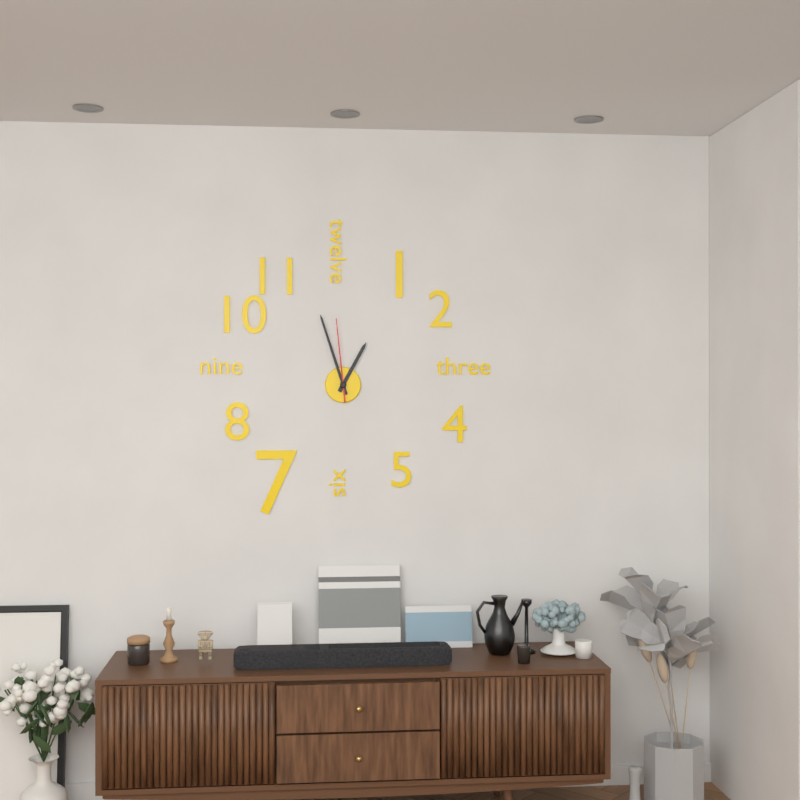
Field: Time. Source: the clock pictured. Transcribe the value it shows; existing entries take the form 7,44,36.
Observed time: 12,57,59
